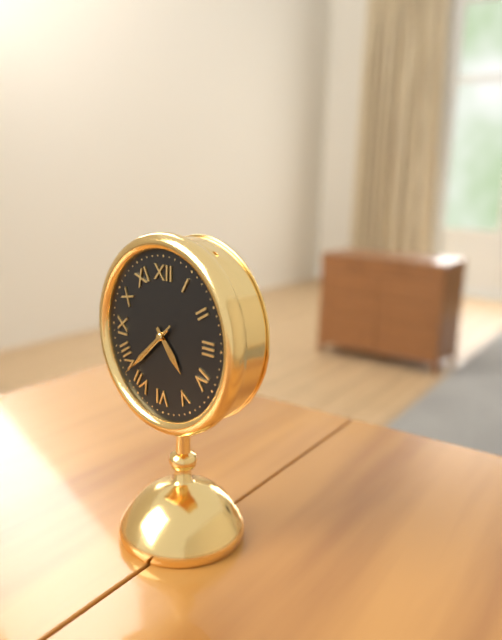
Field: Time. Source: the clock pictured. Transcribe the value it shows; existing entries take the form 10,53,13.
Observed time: 4,38,38
